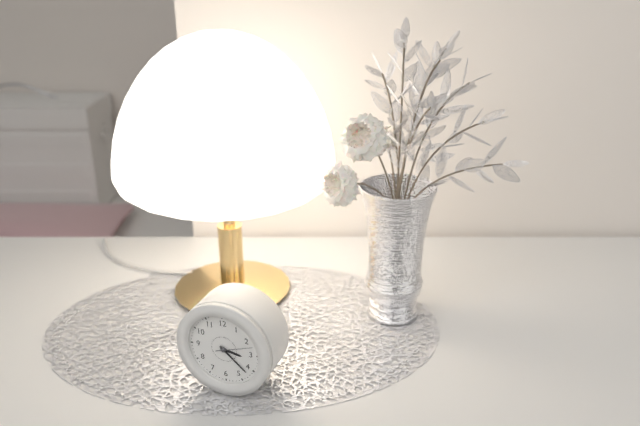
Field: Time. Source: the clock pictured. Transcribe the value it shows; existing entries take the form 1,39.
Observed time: 3,22
